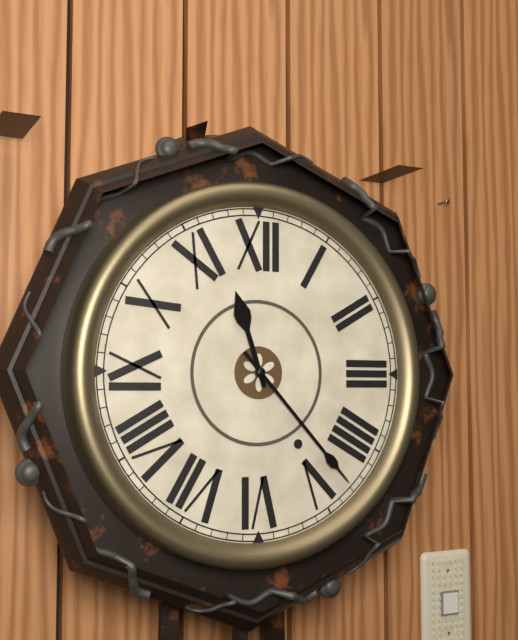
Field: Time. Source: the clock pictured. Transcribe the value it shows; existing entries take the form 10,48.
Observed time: 11,23
